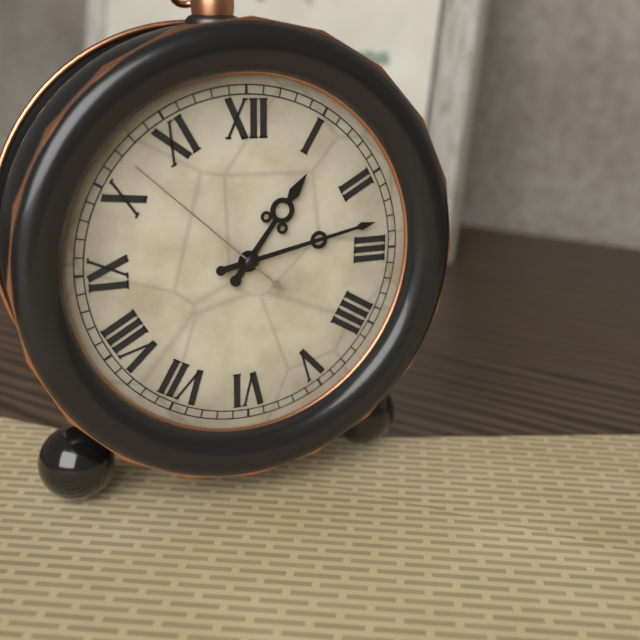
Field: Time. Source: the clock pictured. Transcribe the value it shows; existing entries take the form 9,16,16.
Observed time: 1,13,52
